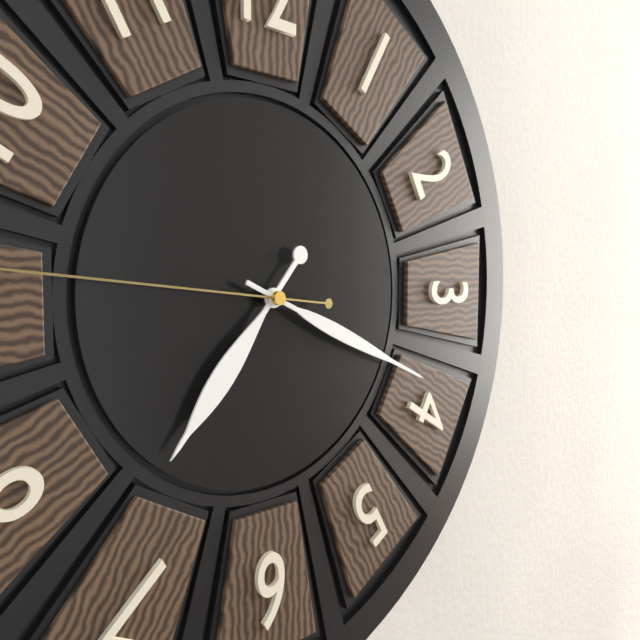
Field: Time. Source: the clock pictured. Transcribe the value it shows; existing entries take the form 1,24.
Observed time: 7,19
